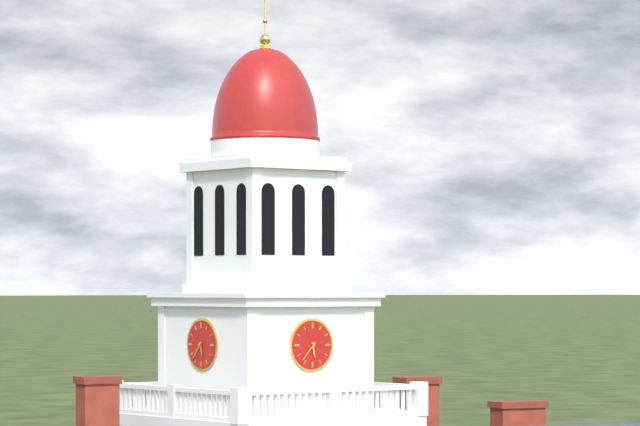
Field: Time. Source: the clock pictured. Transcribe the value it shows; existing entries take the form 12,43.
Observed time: 5,37
